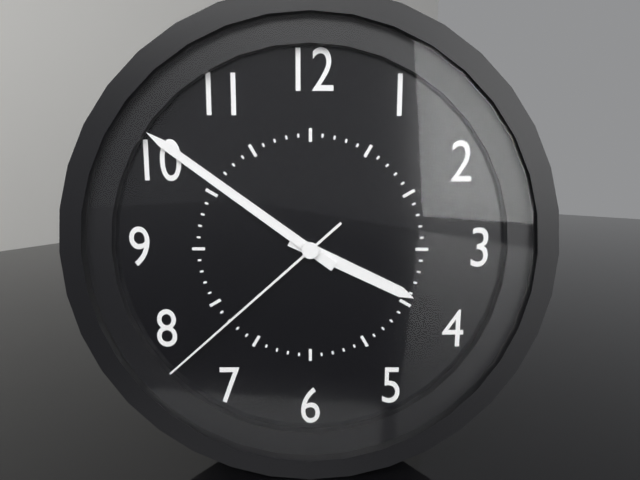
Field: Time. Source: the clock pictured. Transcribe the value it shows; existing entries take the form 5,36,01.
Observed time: 3,51,38
